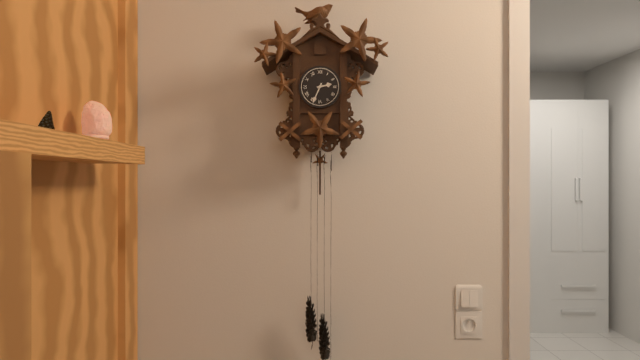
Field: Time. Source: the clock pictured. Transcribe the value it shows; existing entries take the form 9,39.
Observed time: 2,34
